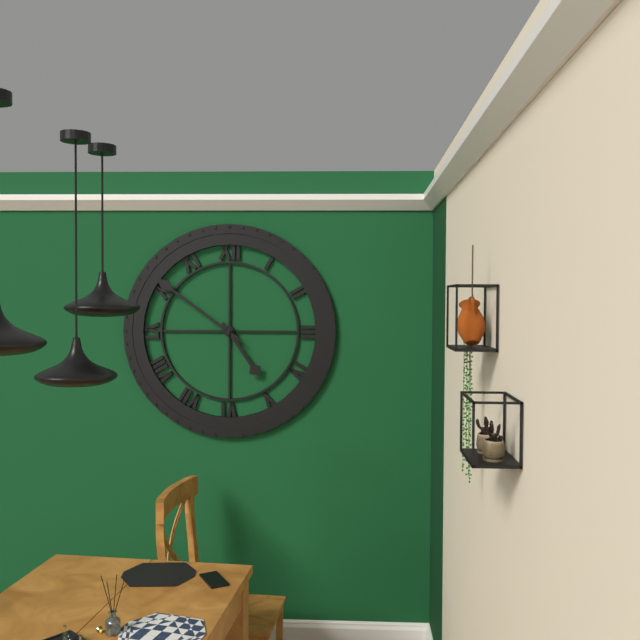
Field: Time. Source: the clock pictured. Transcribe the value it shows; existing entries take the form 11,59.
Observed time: 4,51
